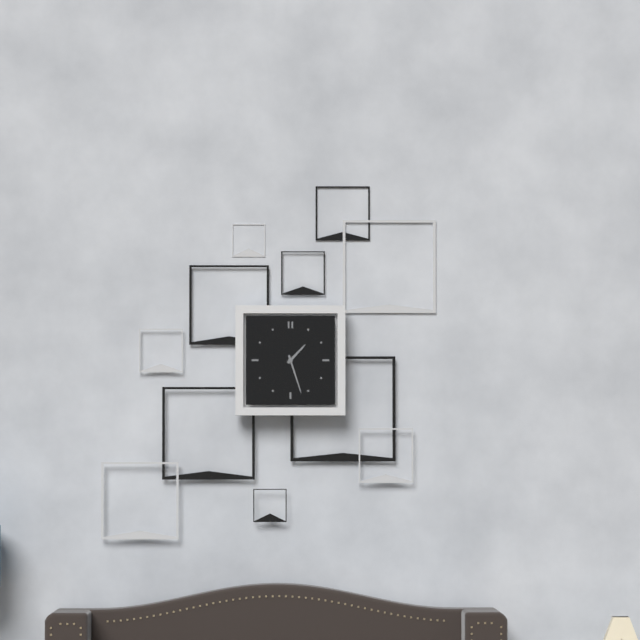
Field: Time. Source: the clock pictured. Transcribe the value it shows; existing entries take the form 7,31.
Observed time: 1,27
